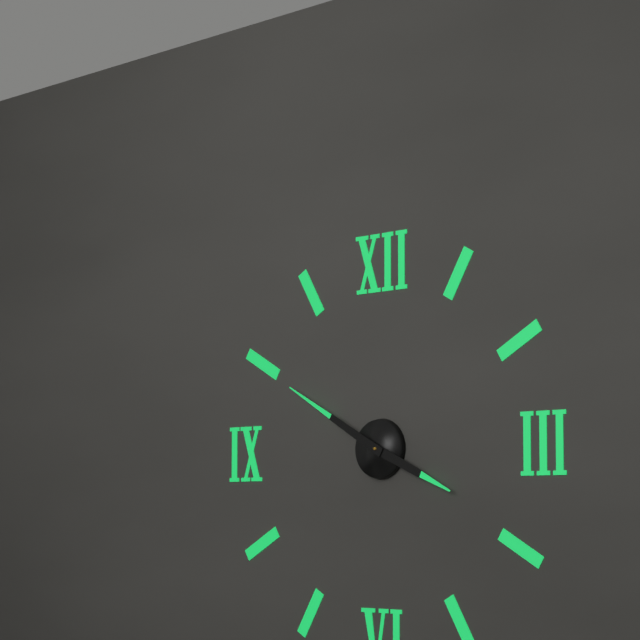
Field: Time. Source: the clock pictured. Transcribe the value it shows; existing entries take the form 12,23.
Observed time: 3,50
